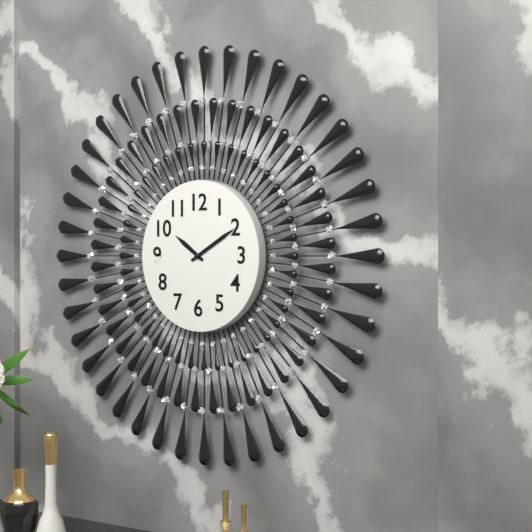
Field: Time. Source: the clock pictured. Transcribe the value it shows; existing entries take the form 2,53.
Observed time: 10,10
